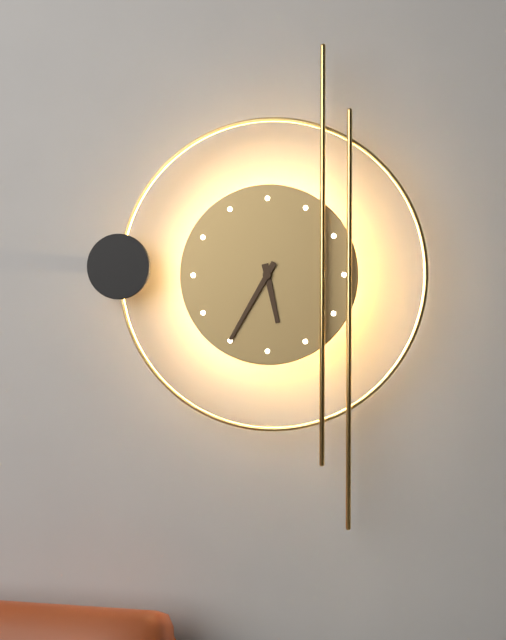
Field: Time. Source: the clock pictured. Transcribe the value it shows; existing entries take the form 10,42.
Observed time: 5,35
